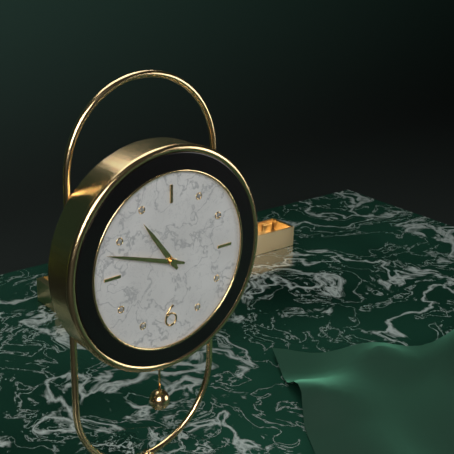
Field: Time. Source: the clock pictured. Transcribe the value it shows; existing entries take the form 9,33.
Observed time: 10,48
